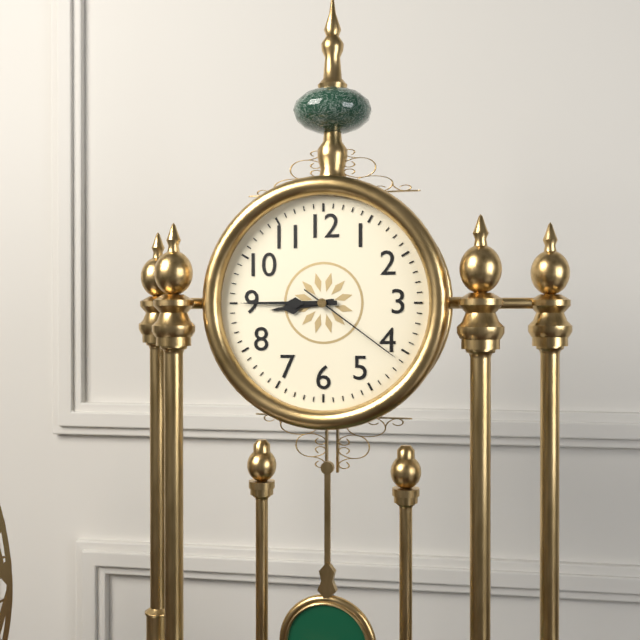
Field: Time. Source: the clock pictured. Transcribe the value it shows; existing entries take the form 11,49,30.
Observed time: 8,45,21
